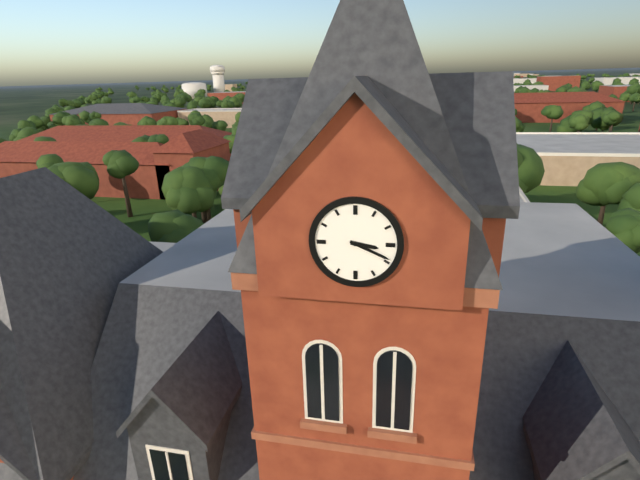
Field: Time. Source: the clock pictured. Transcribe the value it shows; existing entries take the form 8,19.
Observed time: 3,19
